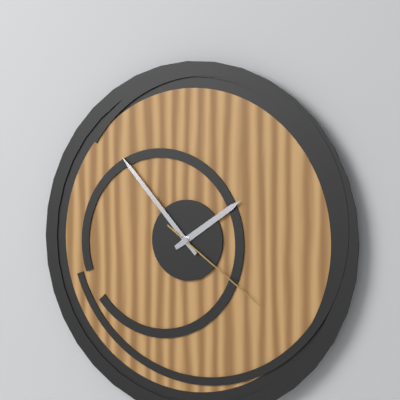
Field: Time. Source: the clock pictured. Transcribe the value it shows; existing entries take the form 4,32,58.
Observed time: 1,53,21
